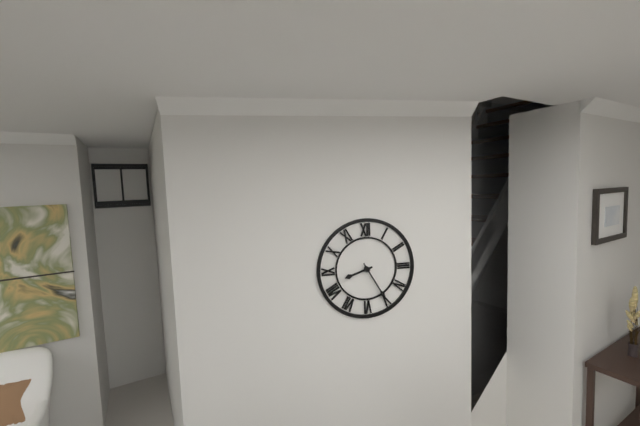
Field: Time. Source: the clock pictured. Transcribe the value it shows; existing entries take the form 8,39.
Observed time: 8,25
